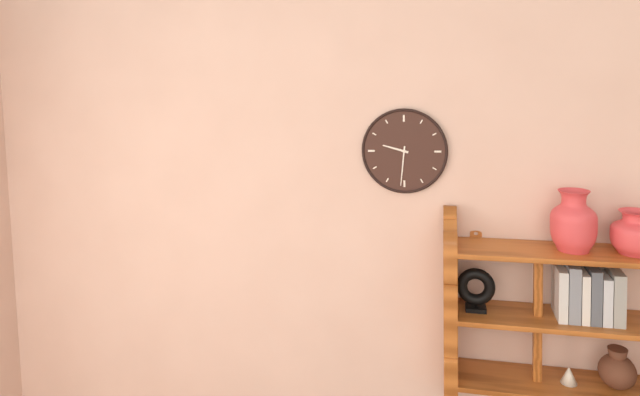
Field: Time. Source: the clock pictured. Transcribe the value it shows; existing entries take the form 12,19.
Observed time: 9,31
